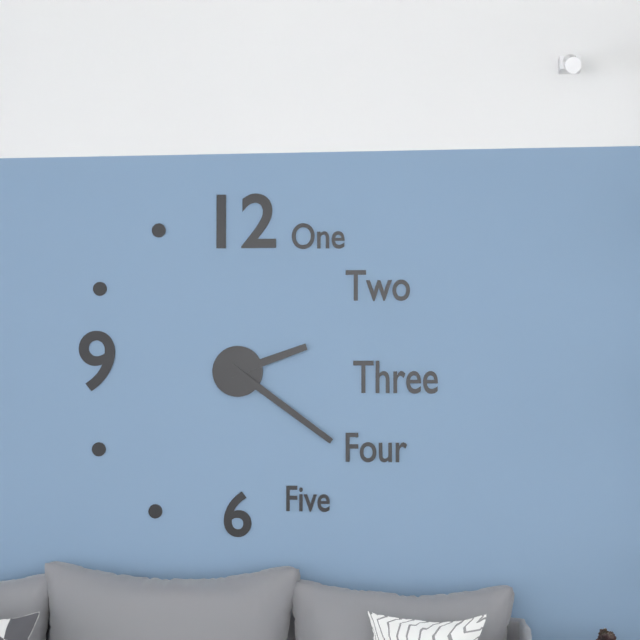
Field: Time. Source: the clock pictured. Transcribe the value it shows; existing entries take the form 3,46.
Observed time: 2,21
